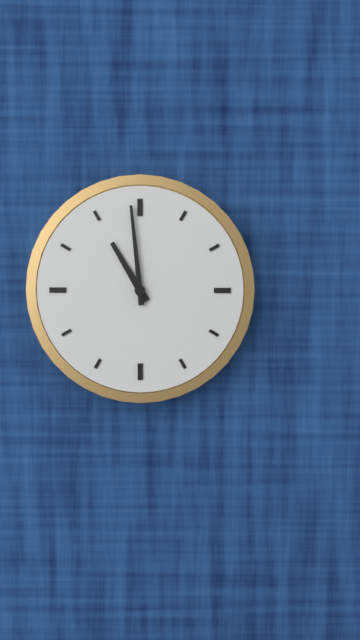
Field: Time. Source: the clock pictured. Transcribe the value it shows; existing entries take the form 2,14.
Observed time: 10,59
